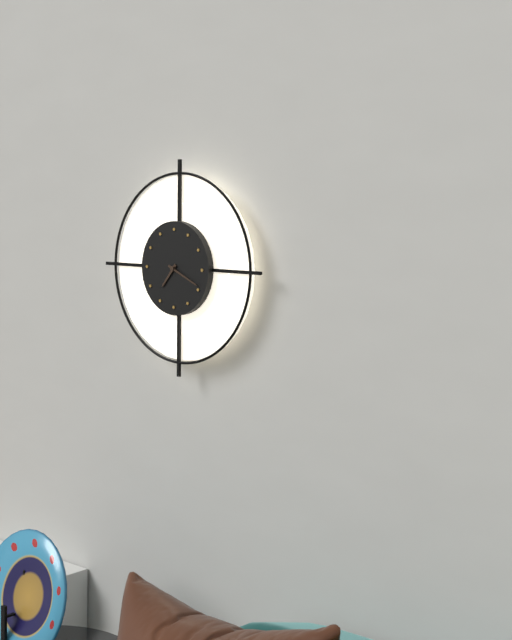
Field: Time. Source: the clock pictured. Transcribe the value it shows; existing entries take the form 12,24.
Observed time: 7,19
